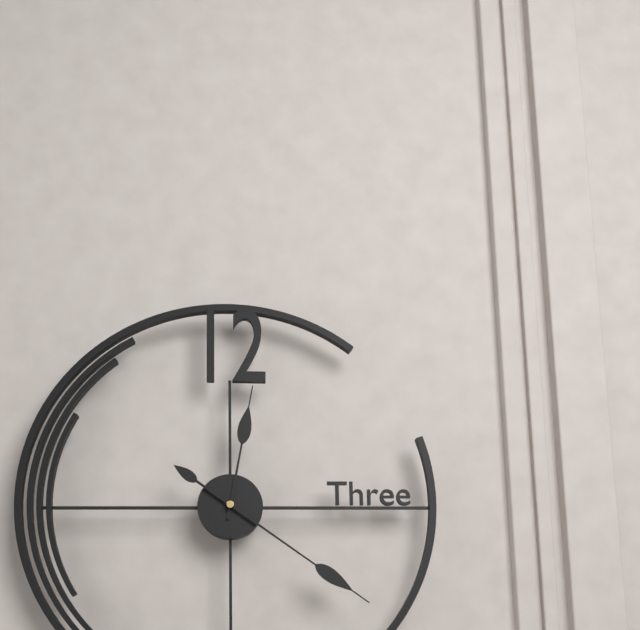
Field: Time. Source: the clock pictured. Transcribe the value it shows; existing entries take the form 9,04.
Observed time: 12,21
